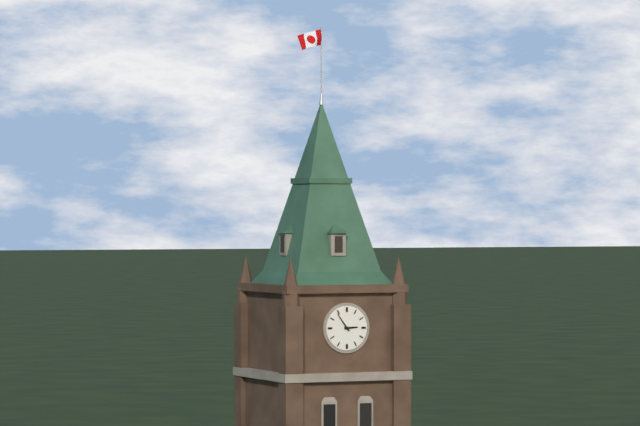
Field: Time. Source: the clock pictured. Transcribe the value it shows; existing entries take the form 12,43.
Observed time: 2,54
